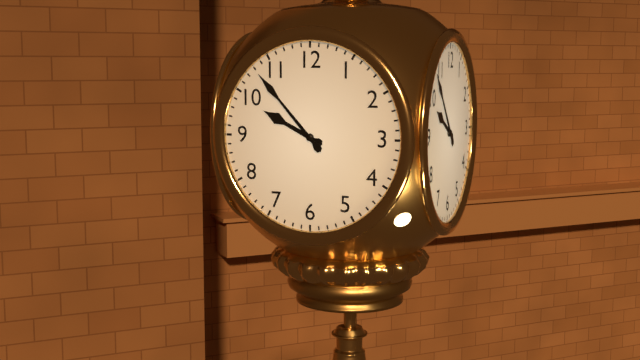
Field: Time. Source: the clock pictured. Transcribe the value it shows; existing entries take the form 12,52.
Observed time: 9,53
